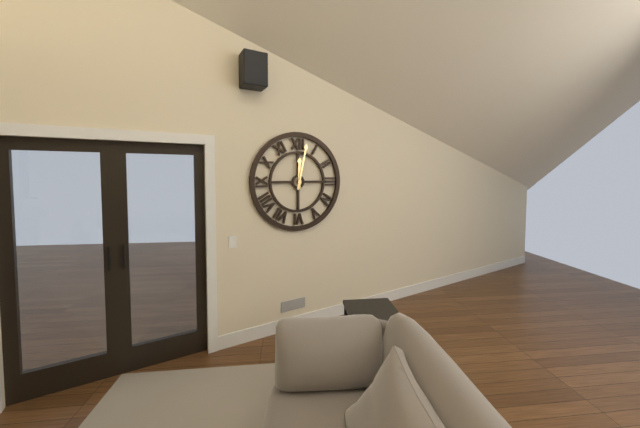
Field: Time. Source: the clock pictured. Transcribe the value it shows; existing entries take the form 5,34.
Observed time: 12,02
